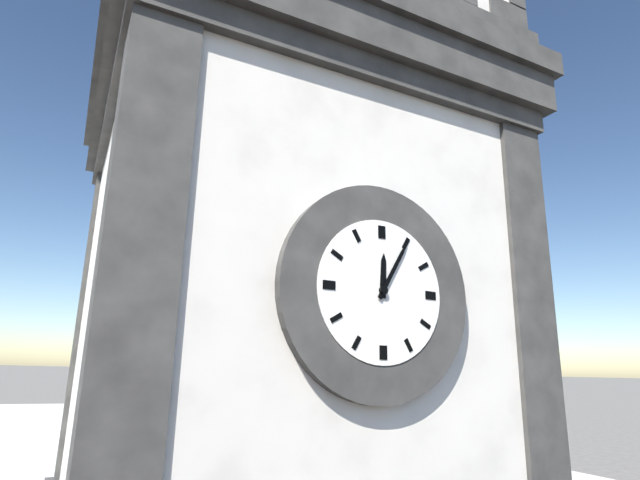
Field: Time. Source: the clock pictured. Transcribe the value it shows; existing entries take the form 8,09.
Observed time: 12,05
